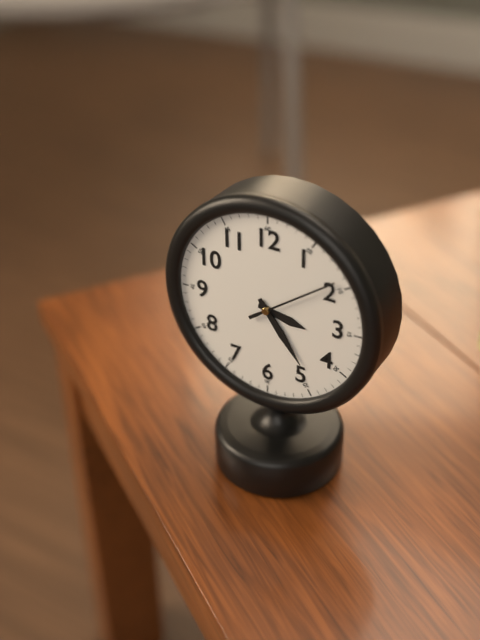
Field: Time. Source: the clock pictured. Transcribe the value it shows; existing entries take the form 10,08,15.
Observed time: 3,24,09
